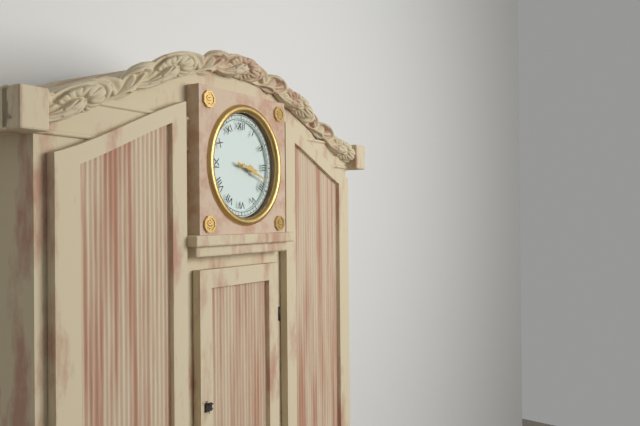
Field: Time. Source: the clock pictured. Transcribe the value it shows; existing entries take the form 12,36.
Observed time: 3,18
